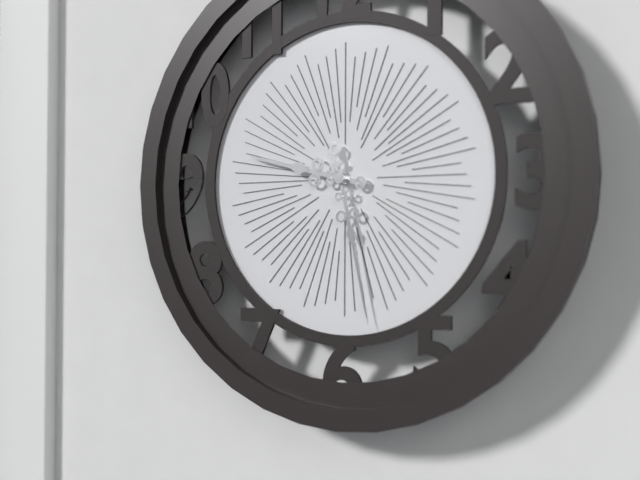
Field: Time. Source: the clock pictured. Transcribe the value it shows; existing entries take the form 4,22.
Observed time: 9,28
